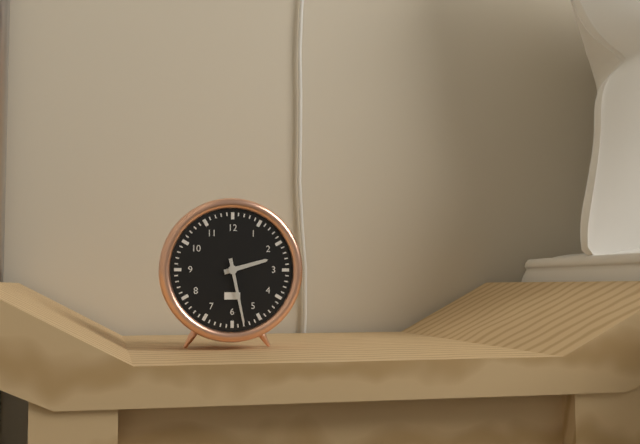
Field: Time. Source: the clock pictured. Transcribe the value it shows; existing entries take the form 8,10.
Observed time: 2,28
